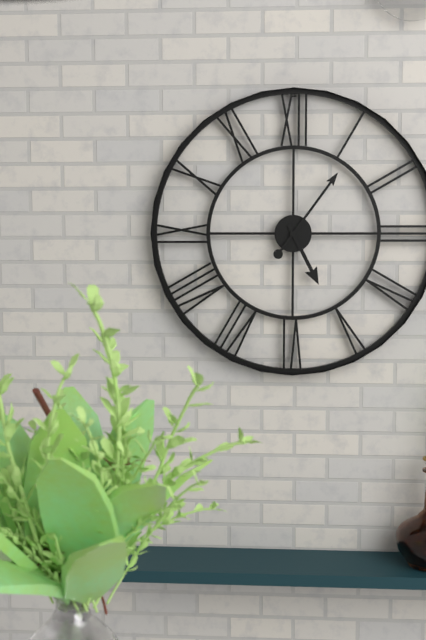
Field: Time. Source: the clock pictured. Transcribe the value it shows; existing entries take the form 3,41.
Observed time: 5,06
